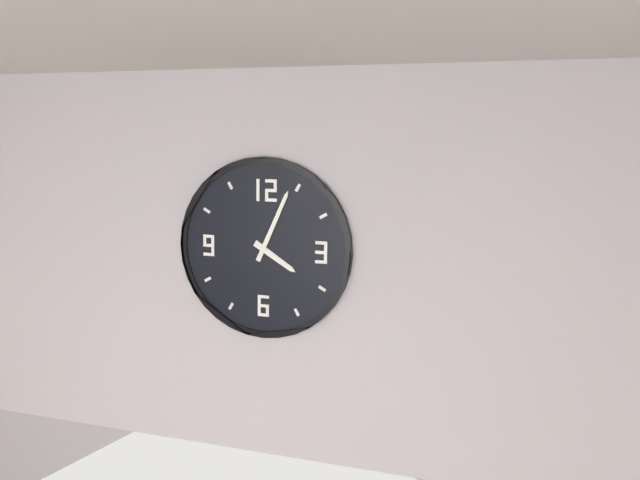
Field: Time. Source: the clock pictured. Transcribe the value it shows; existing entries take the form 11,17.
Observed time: 4,04
